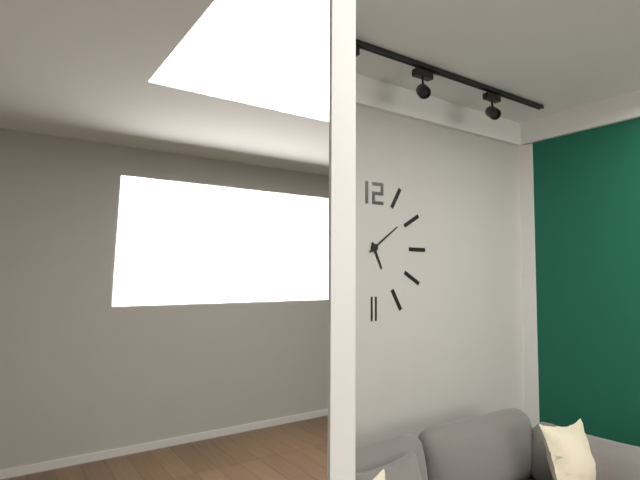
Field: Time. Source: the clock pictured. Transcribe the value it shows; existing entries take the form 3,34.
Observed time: 5,09
